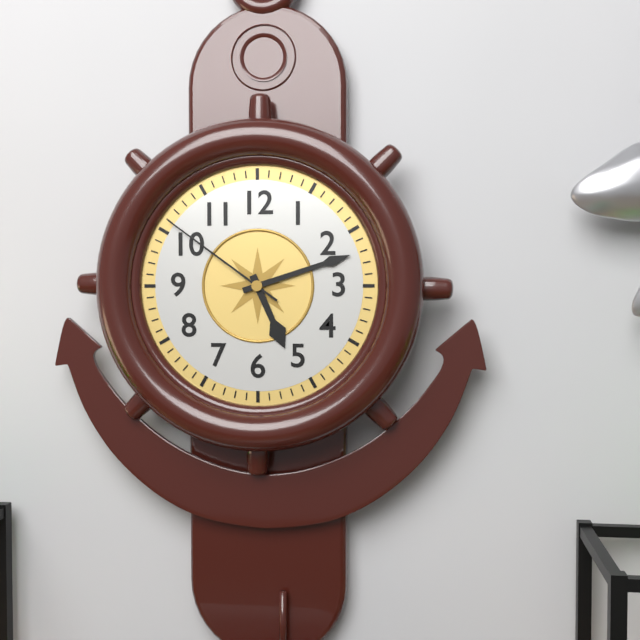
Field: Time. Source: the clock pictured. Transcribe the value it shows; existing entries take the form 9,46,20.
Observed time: 5,12,51
